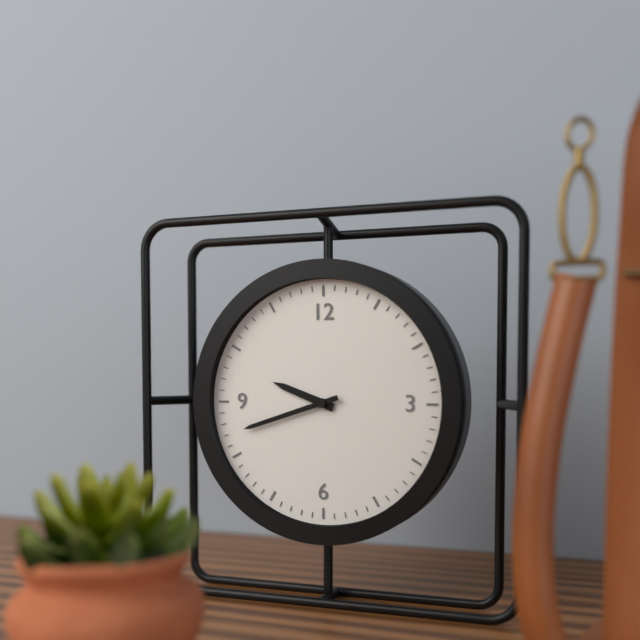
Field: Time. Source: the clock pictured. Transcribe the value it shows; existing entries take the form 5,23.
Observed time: 9,42
